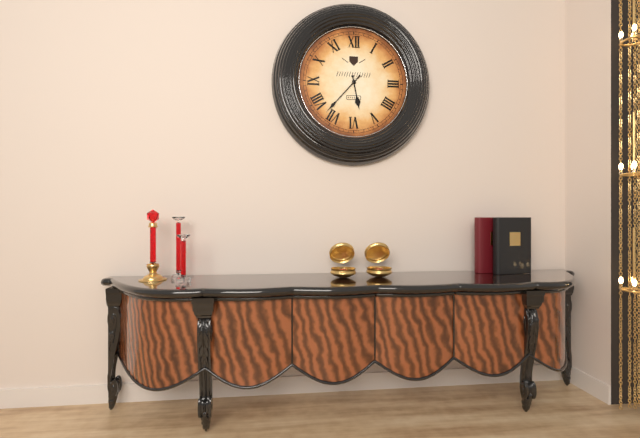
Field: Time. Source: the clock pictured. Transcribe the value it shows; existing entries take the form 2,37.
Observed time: 5,37
